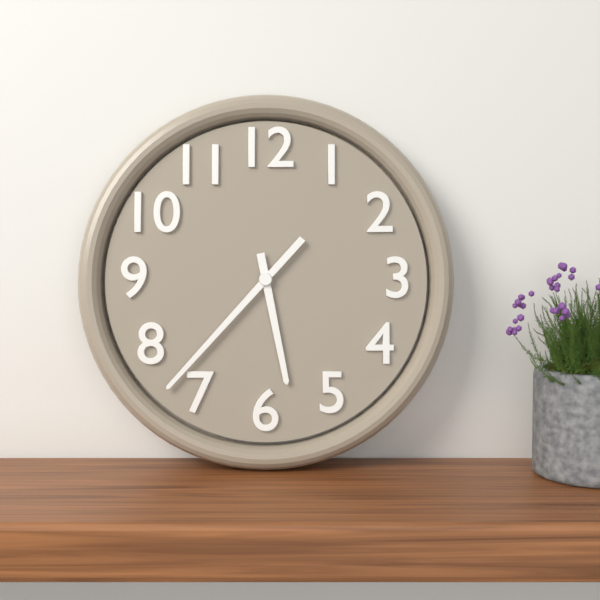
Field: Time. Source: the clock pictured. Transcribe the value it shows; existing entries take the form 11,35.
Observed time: 5,37
